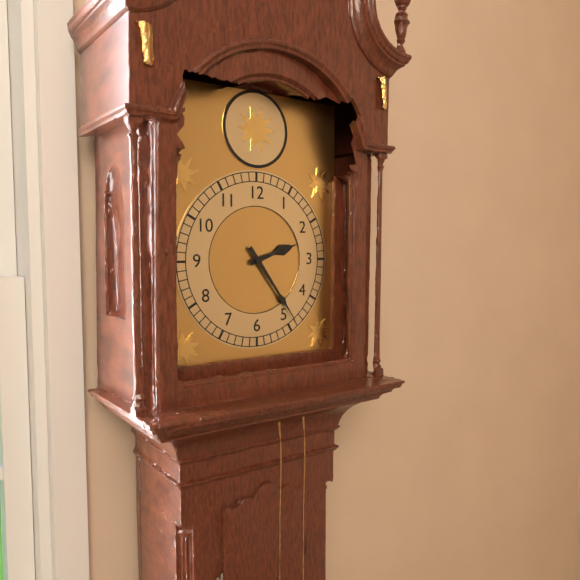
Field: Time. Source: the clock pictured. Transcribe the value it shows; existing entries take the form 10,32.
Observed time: 2,24
